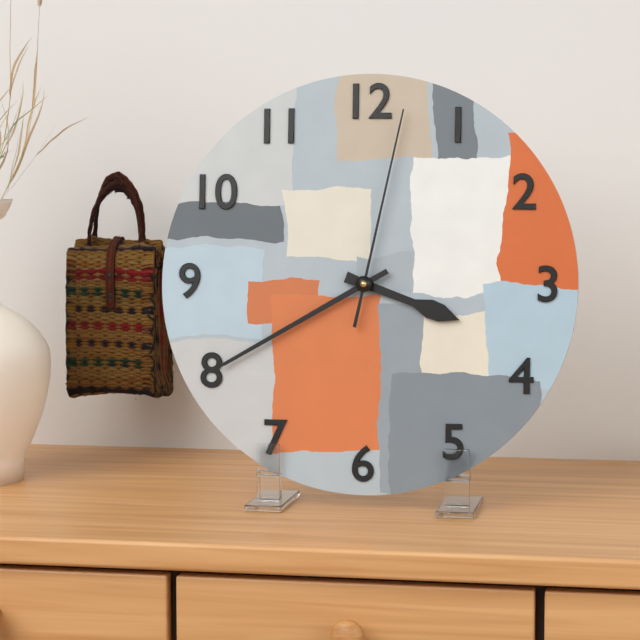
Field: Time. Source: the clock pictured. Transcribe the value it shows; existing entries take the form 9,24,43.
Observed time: 3,40,02
